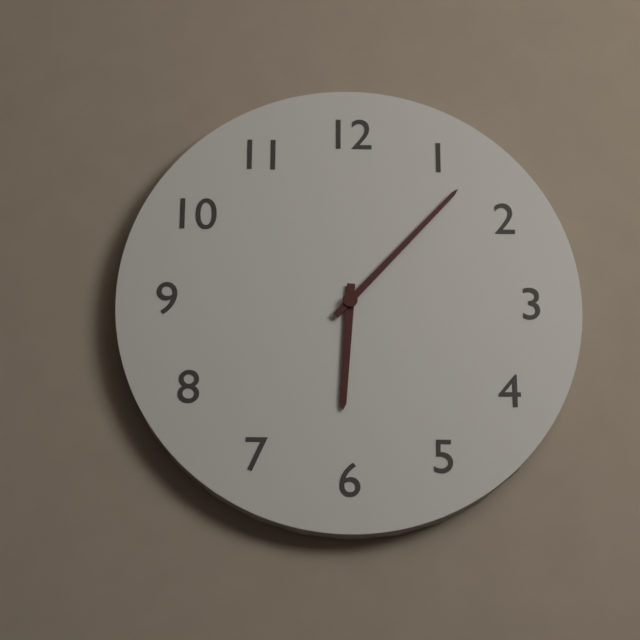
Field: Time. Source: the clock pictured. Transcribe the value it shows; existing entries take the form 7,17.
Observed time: 6,07
